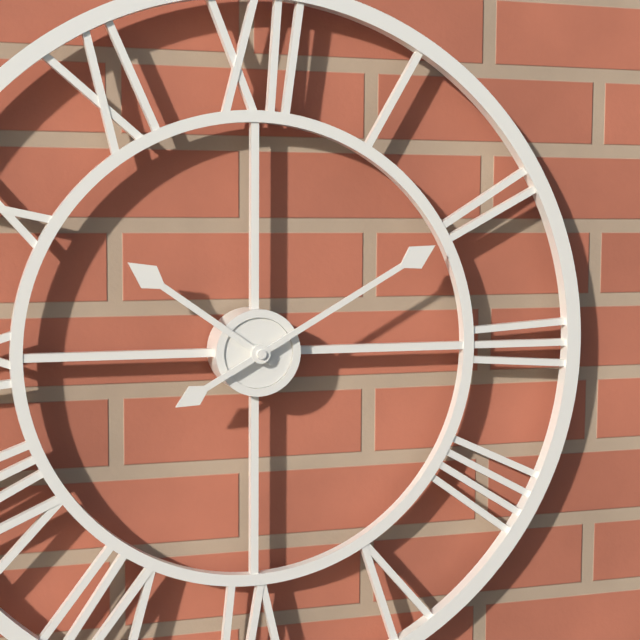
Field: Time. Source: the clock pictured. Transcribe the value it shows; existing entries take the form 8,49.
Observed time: 10,10
